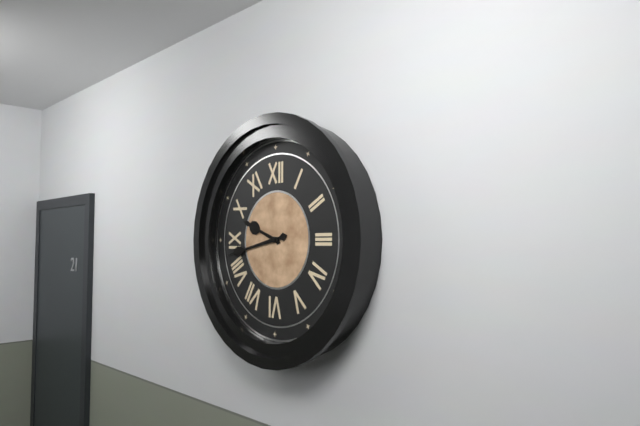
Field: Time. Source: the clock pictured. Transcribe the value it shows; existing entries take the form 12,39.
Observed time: 9,43
